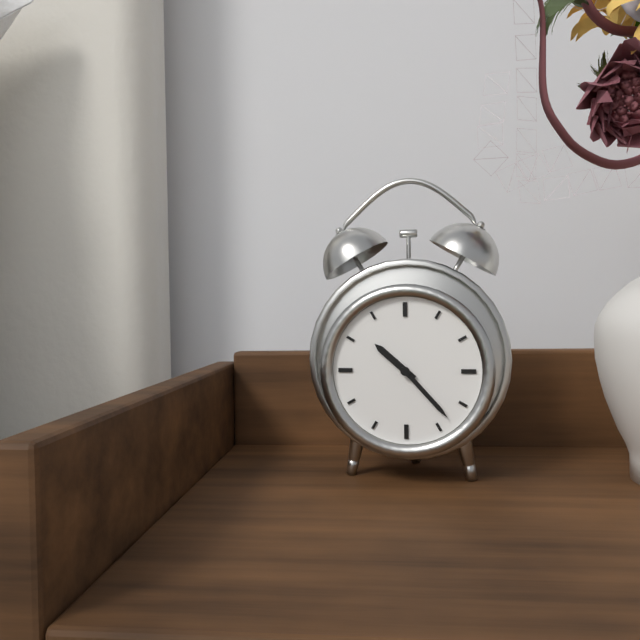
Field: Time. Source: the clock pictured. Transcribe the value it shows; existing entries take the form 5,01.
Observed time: 10,23
